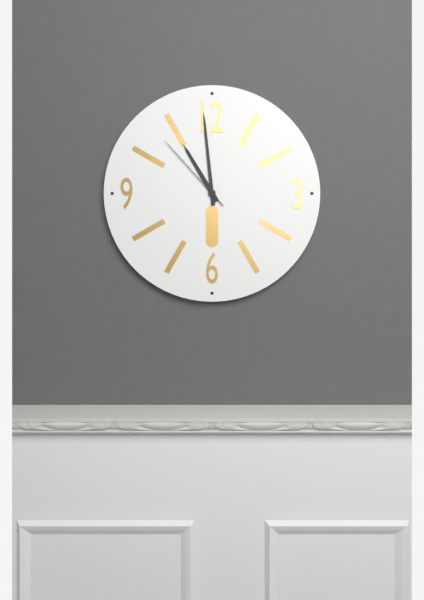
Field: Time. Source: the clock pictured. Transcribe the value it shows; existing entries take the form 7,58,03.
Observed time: 10,59,53
